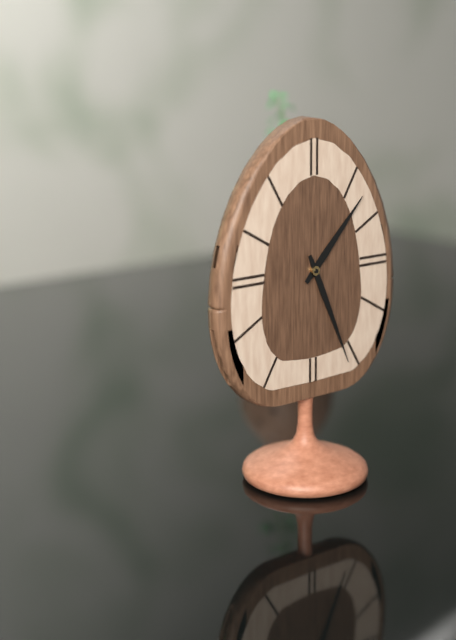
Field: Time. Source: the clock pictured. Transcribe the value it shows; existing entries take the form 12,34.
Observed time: 1,26
